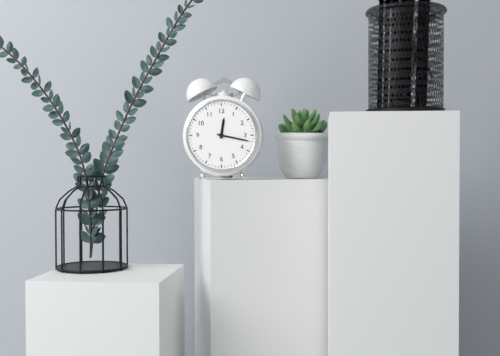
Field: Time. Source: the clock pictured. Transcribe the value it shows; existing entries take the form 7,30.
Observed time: 12,17
